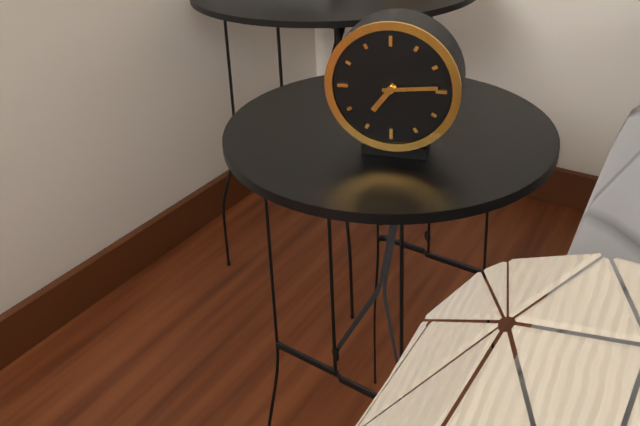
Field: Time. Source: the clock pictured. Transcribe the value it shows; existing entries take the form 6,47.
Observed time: 7,14
